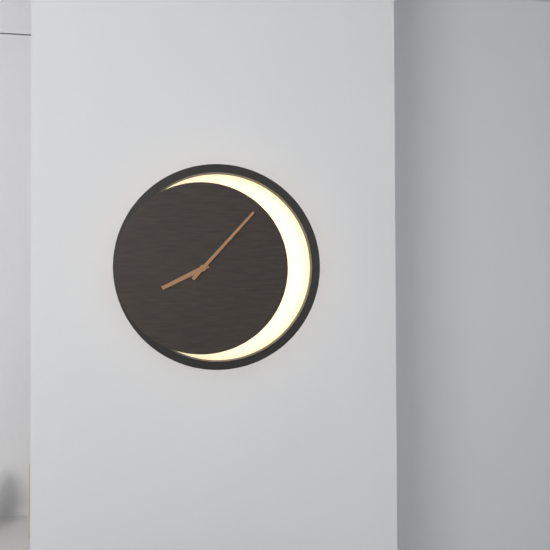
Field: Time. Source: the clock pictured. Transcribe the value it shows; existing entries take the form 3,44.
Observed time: 8,07
